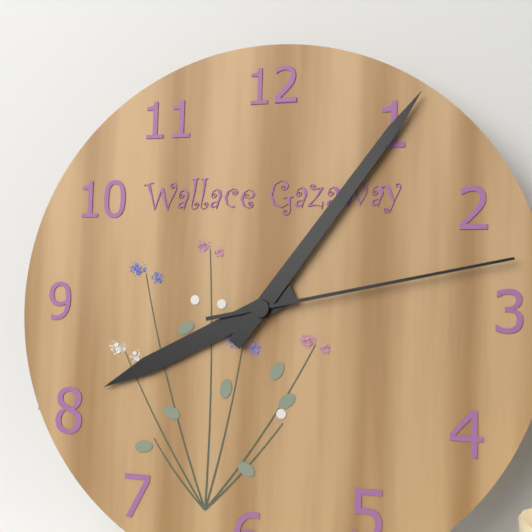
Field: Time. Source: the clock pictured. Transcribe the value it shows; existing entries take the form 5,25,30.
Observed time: 8,06,13
